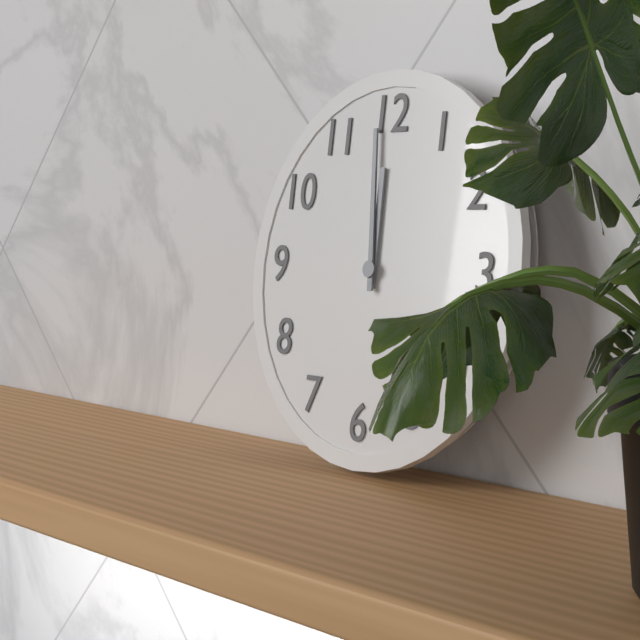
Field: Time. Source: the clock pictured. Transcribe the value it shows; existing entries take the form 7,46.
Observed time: 11,59
